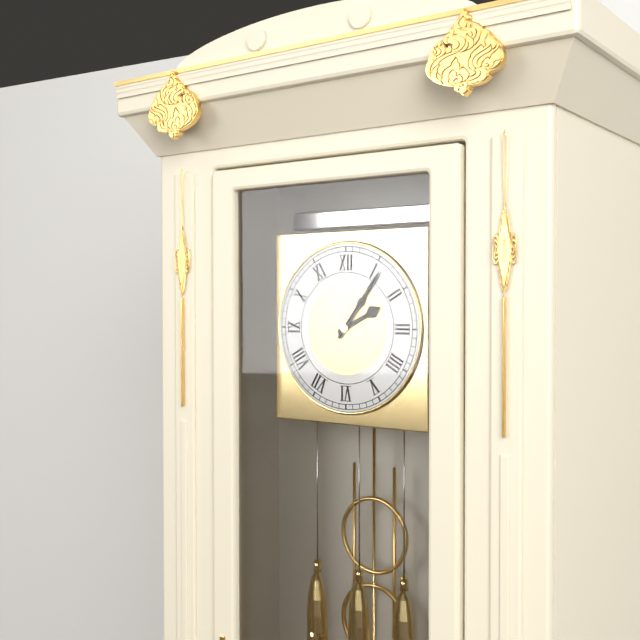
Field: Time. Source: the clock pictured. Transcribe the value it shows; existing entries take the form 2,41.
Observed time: 2,06
